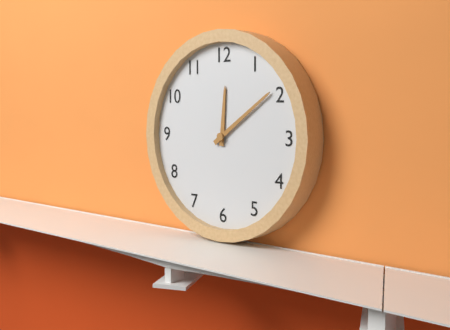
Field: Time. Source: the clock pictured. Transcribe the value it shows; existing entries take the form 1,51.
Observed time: 12,09
